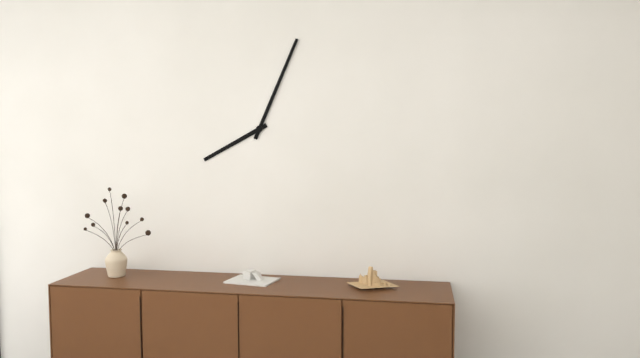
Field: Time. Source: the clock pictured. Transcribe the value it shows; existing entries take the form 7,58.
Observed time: 8,04
